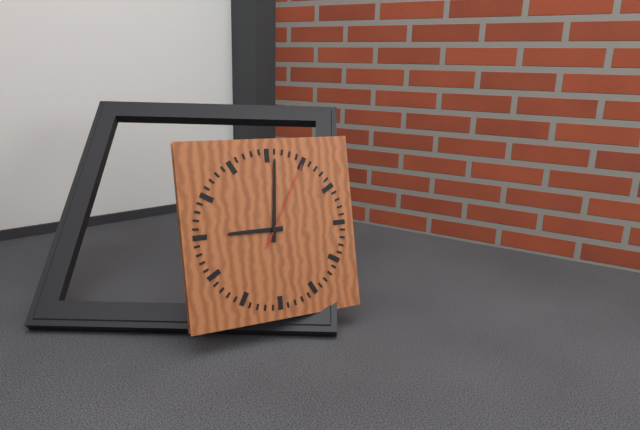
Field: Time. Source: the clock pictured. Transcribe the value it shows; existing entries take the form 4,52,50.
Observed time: 9,01,05
